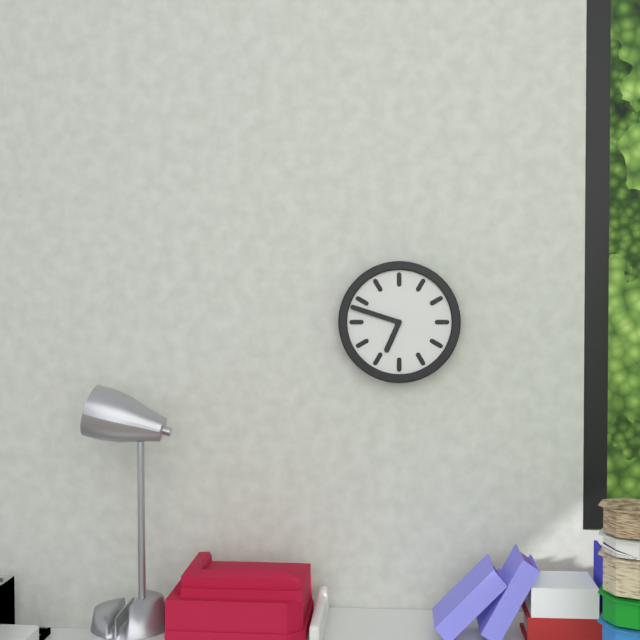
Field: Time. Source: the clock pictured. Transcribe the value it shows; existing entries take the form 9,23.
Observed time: 6,48
